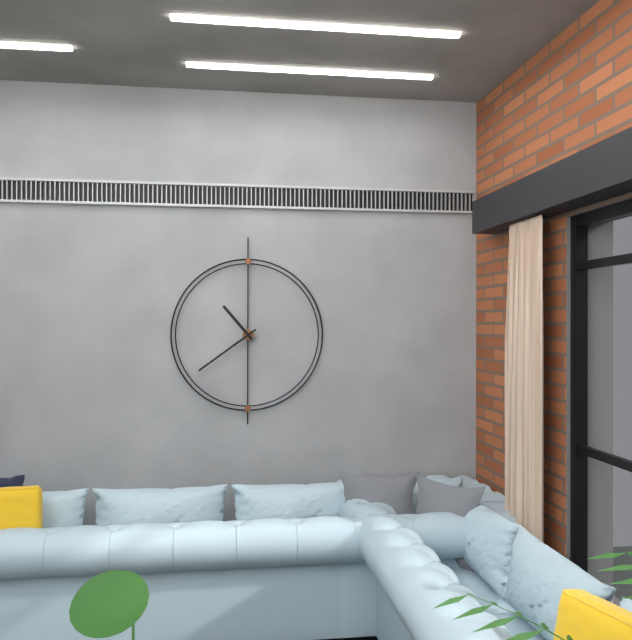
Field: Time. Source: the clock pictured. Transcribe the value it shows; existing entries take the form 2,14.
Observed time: 10,39
